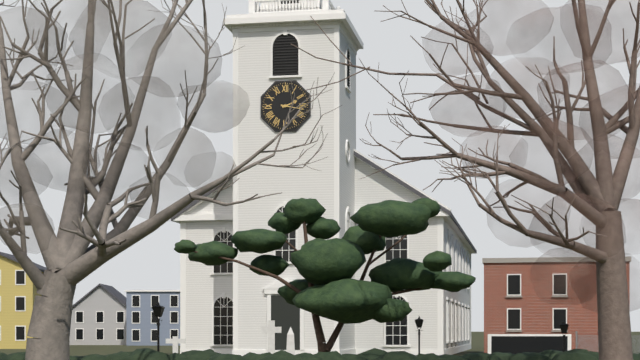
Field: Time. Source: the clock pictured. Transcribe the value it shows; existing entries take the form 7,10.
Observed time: 2,17
